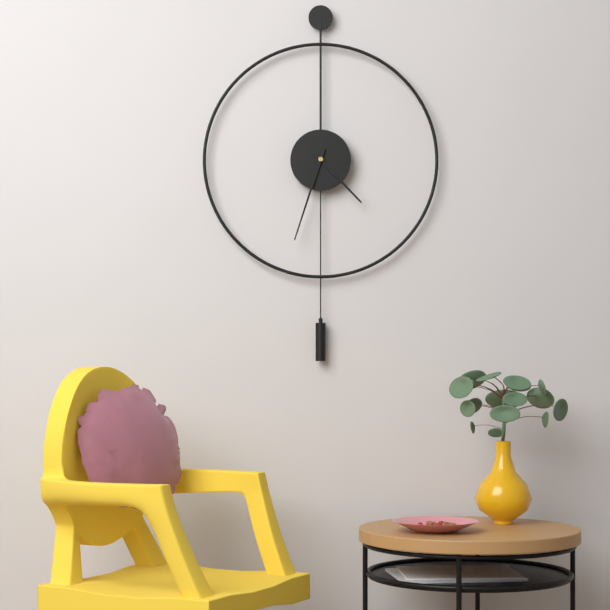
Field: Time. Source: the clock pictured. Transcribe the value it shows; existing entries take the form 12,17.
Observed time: 4,33
